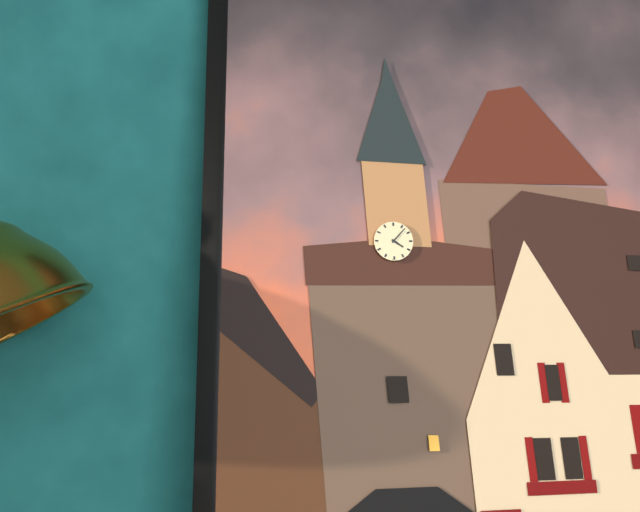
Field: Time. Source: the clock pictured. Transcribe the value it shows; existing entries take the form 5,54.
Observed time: 4,07
